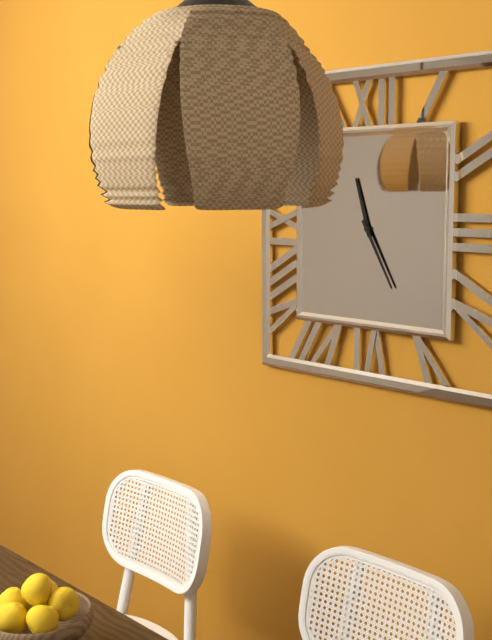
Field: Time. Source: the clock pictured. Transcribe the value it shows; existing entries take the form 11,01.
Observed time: 11,25
